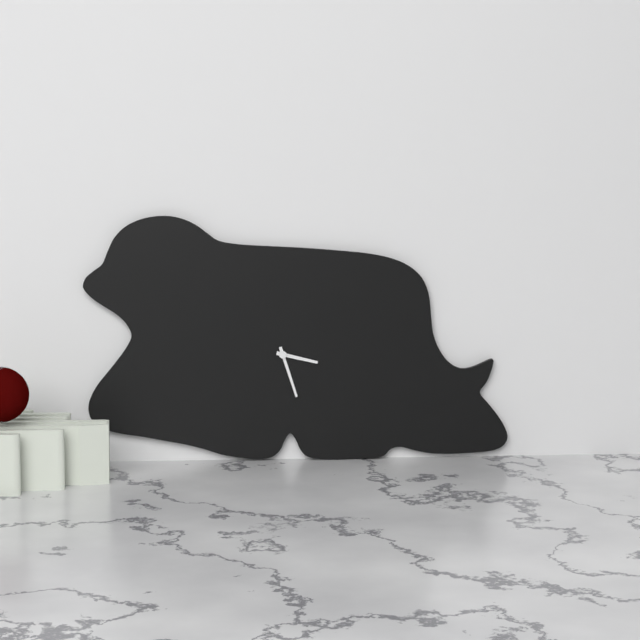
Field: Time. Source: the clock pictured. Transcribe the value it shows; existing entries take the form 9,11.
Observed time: 3,27
